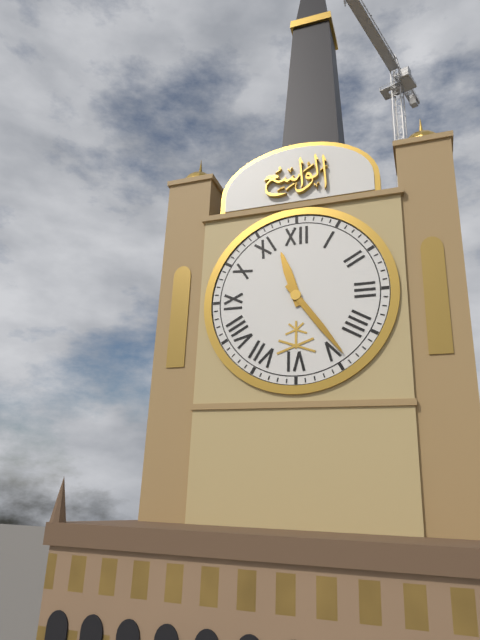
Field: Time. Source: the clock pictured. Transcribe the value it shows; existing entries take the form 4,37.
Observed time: 11,24
